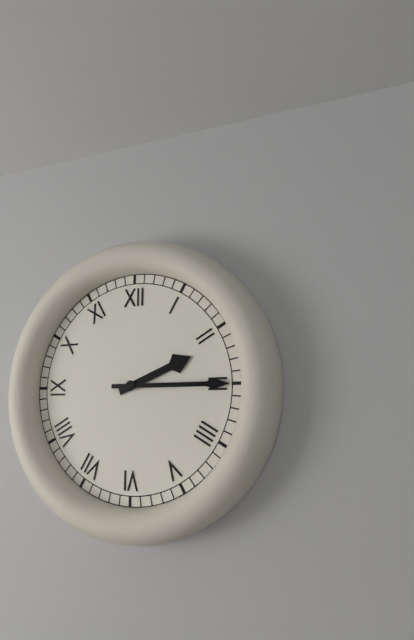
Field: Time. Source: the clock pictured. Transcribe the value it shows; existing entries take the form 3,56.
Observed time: 2,15
